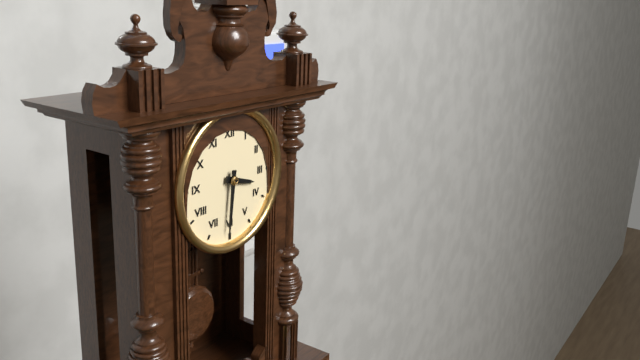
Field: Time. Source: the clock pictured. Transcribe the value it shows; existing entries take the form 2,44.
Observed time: 3,31
